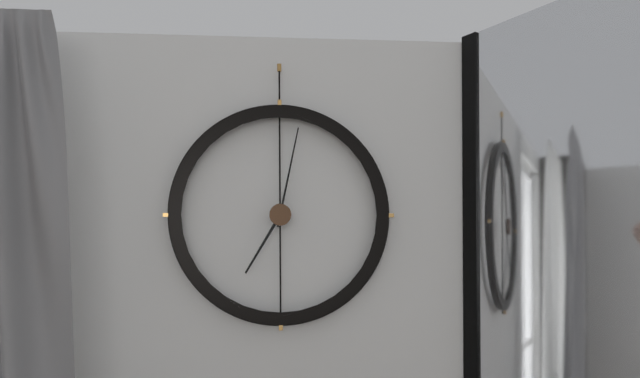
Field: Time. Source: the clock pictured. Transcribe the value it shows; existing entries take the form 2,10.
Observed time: 7,02
